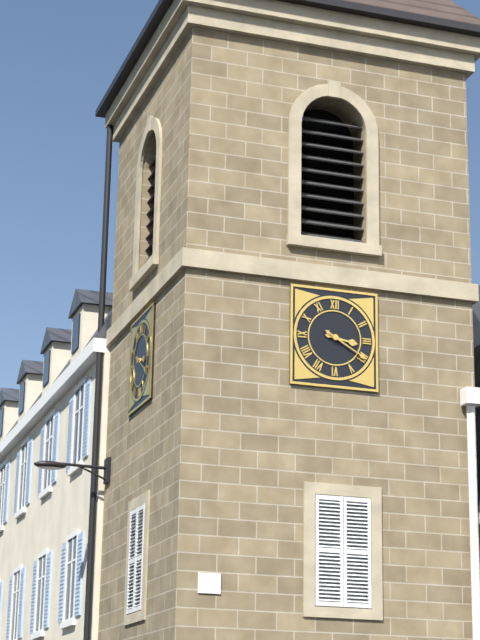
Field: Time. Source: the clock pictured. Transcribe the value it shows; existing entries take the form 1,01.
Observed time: 3,20
